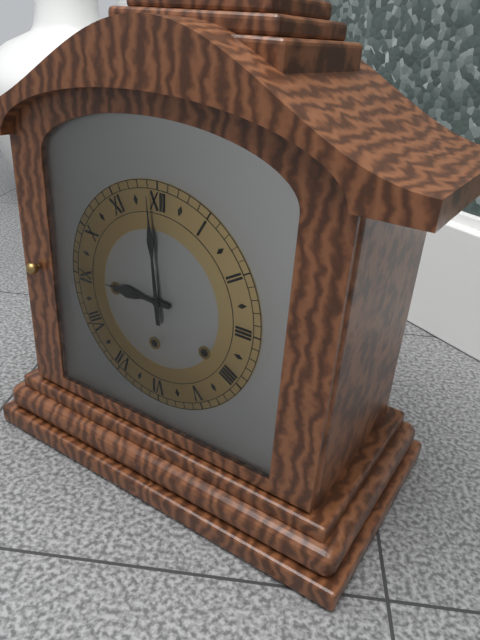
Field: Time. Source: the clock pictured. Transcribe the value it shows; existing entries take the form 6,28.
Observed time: 8,59
